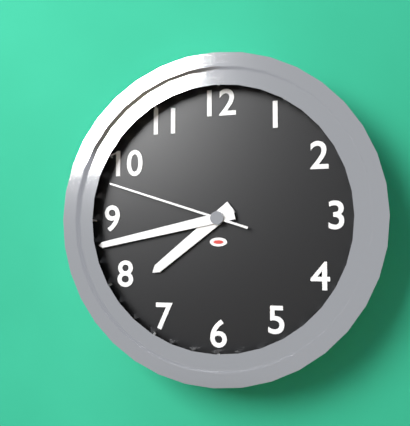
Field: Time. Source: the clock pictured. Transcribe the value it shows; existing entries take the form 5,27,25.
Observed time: 7,43,48
